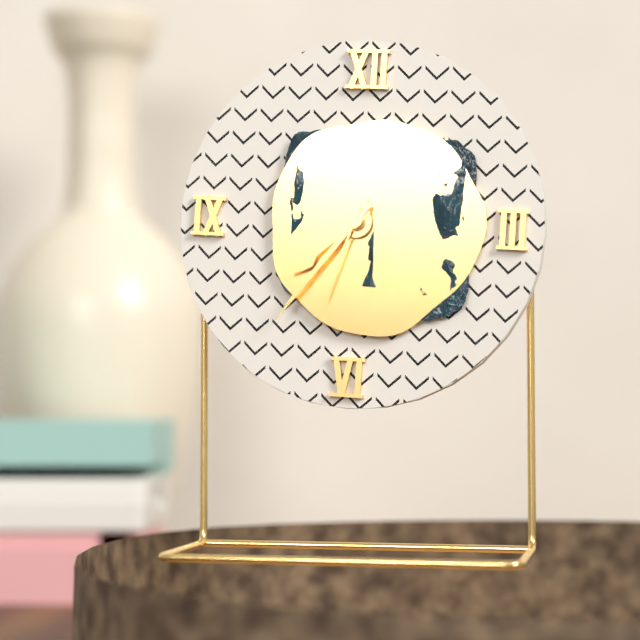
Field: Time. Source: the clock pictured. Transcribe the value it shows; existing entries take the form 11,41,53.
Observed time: 7,36,33
